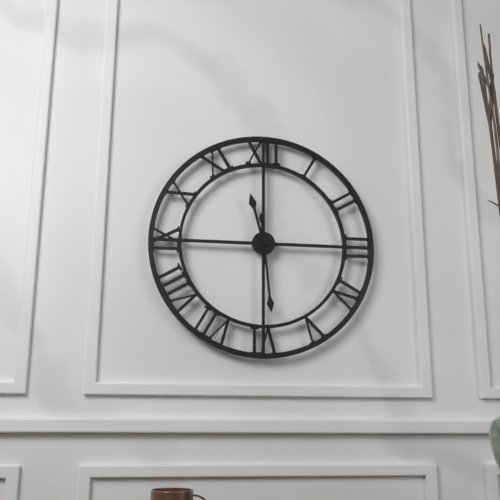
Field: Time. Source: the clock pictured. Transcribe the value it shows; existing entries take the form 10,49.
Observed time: 11,29
